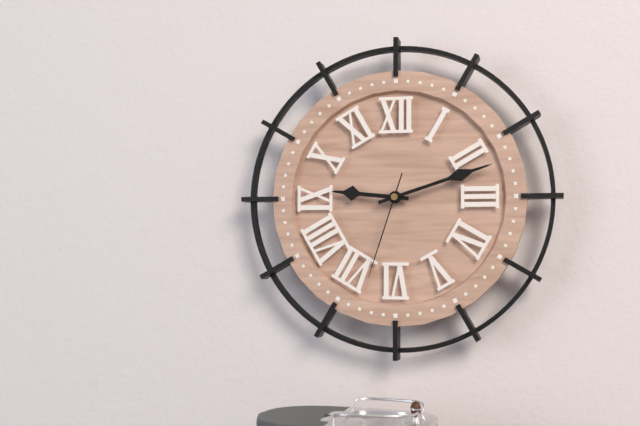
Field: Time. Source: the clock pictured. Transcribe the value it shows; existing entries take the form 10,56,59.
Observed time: 9,12,33
